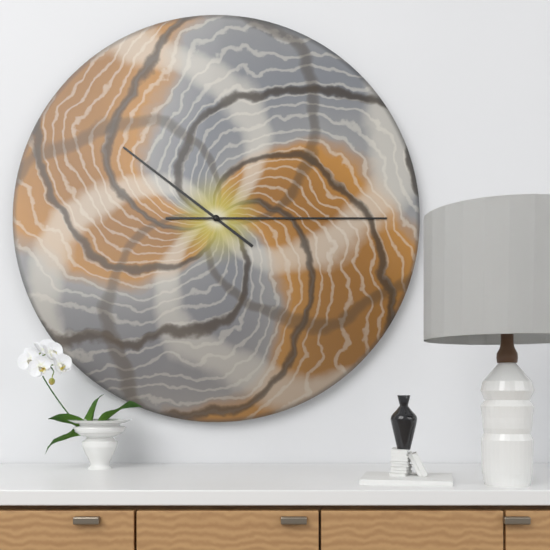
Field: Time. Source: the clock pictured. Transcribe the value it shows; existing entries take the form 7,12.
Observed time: 10,15
